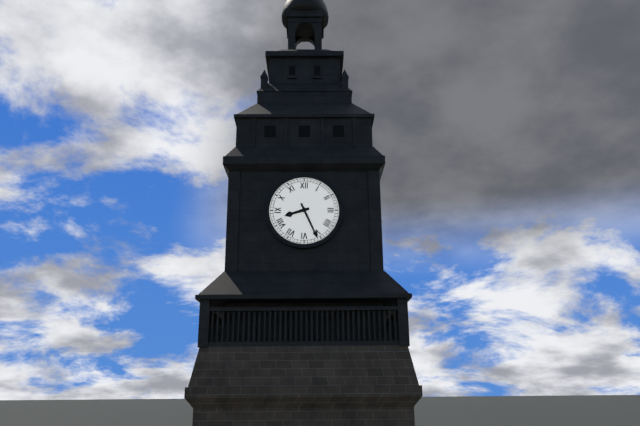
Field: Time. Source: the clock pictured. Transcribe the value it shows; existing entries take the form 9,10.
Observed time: 8,26
